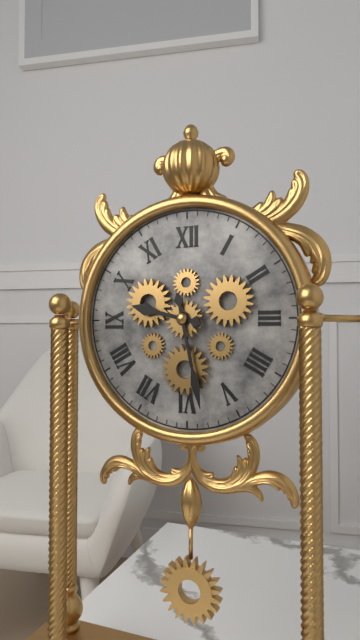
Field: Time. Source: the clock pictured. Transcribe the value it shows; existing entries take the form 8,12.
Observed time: 9,28
